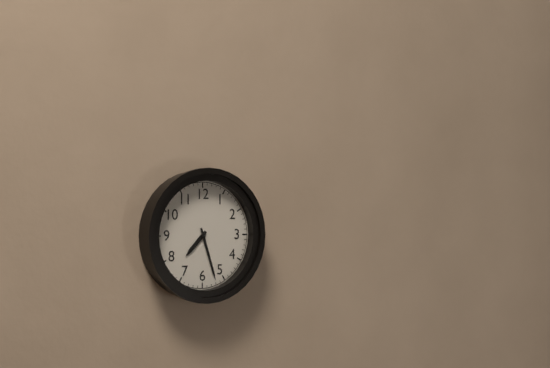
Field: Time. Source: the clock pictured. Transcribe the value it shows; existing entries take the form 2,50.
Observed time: 7,27
